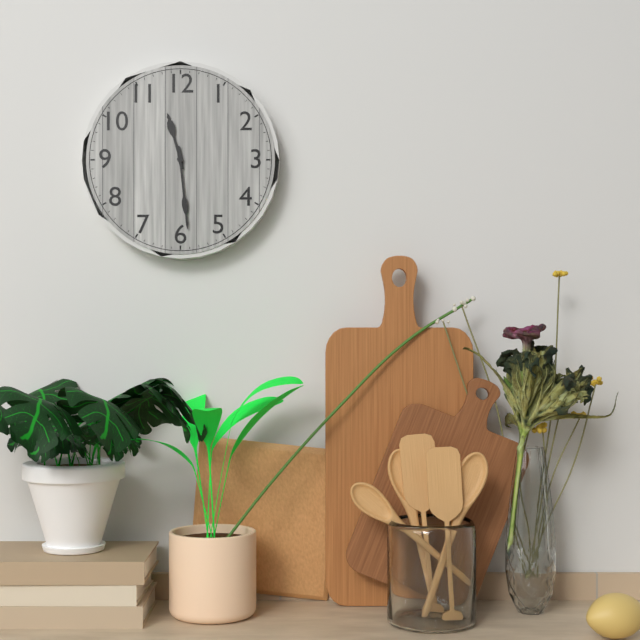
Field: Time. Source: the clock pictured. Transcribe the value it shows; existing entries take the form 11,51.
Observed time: 11,29
